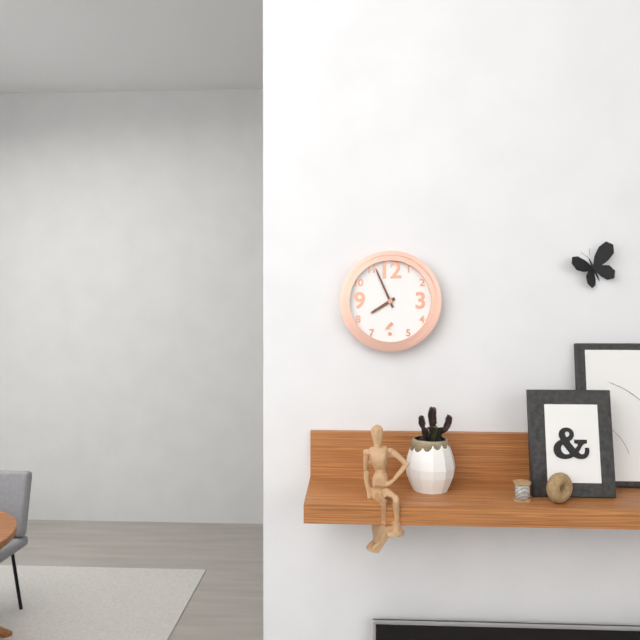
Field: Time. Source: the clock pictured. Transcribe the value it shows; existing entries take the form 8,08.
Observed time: 7,56
